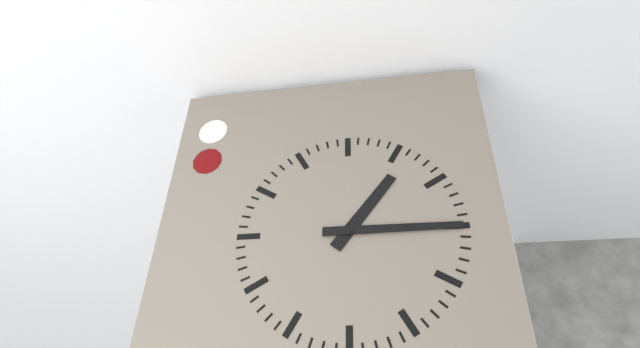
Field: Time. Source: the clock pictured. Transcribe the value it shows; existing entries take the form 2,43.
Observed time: 1,15
